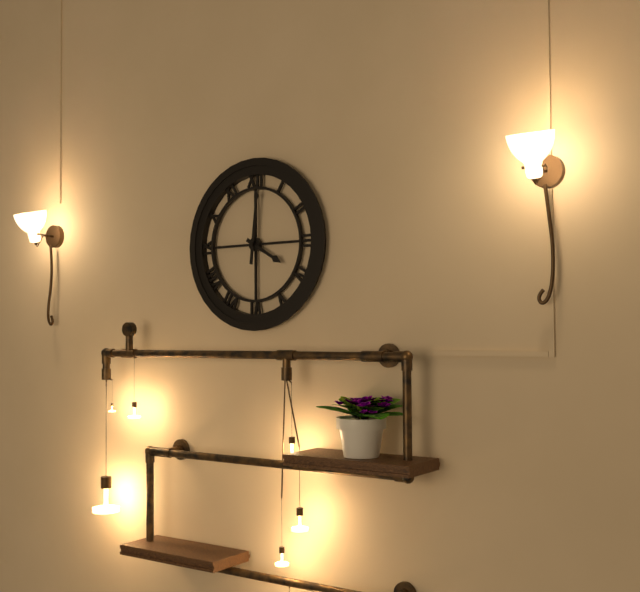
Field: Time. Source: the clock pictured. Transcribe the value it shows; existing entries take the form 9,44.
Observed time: 4,01
